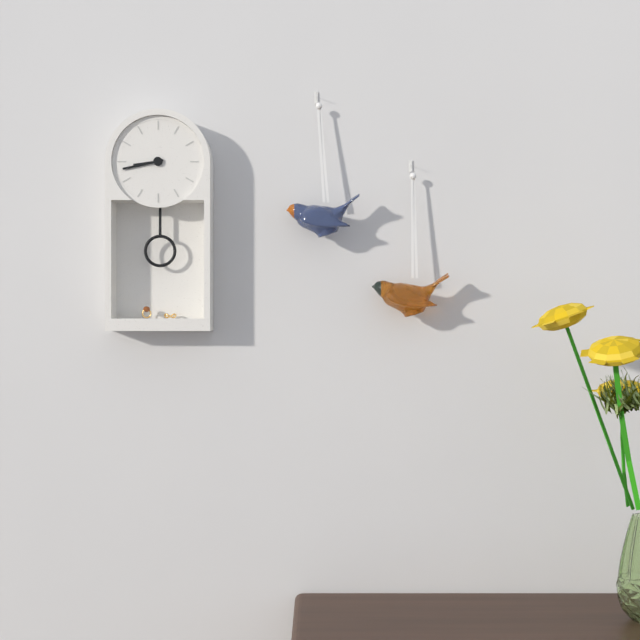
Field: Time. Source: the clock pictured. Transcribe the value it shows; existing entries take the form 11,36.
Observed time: 8,43
